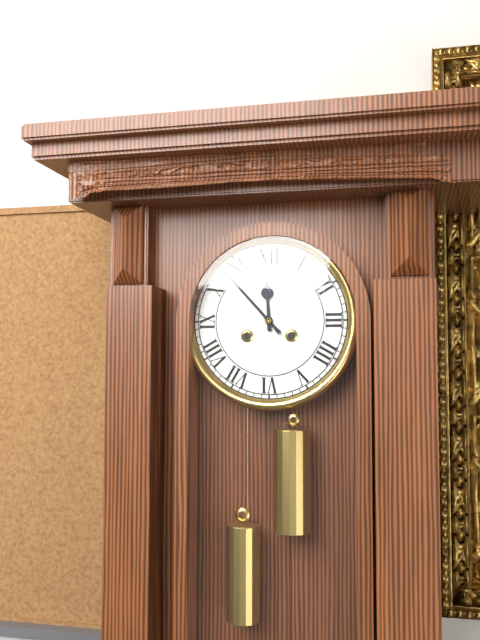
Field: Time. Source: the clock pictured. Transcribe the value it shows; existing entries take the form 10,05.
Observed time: 11,53
